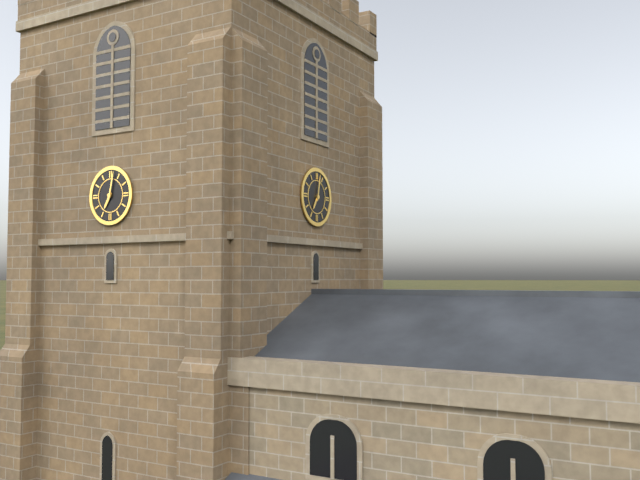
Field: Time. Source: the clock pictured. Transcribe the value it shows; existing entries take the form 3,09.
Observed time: 7,02
